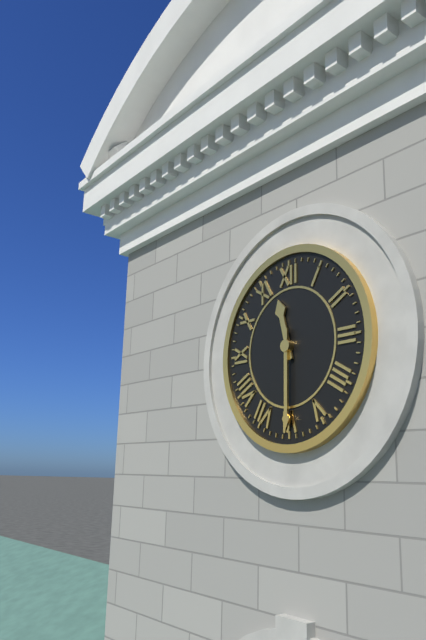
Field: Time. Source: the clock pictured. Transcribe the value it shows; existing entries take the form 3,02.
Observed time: 11,30
